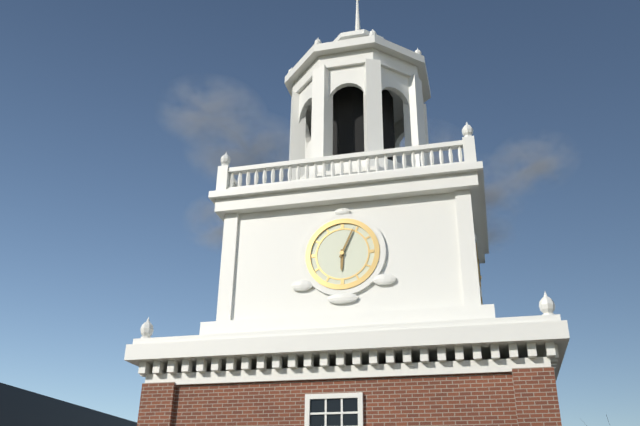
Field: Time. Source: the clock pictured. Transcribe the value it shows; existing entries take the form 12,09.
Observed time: 6,04
